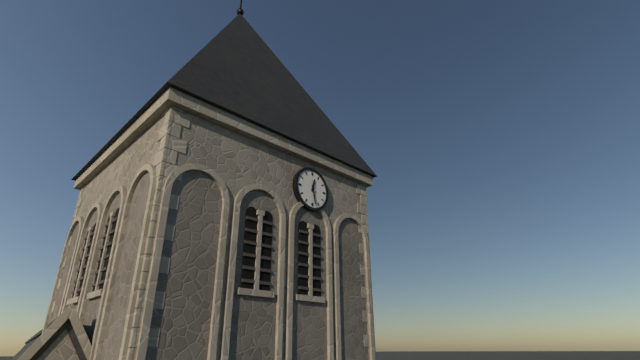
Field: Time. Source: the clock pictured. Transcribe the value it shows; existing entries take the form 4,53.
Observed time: 12,28
